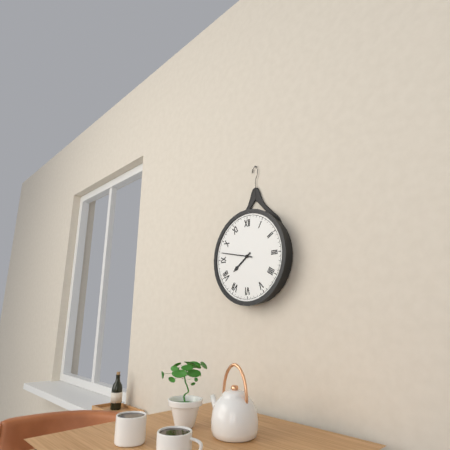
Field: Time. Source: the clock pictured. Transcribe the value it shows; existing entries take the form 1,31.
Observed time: 7,47
